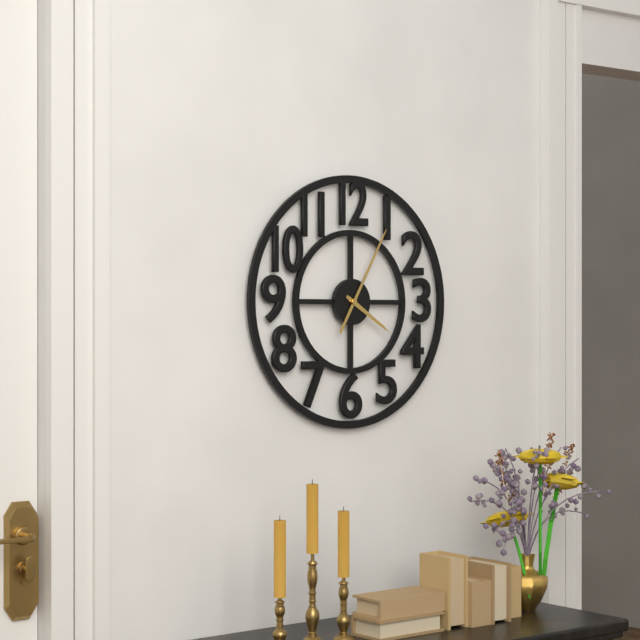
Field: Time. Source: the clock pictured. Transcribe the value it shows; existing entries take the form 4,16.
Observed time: 4,05
